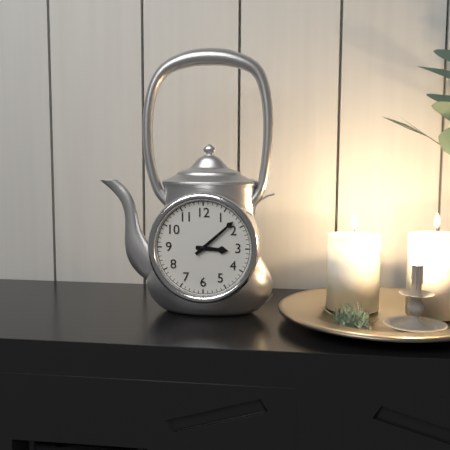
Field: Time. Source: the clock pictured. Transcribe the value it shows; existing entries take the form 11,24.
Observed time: 3,08
